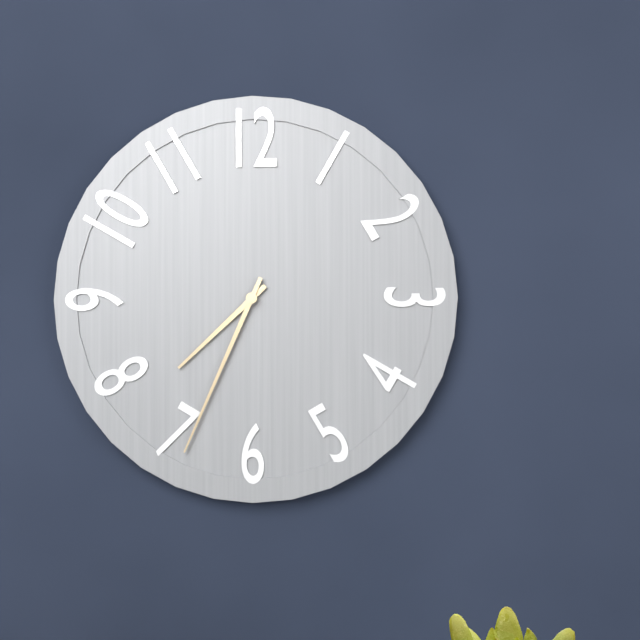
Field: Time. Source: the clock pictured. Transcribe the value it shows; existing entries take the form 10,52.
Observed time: 7,34
